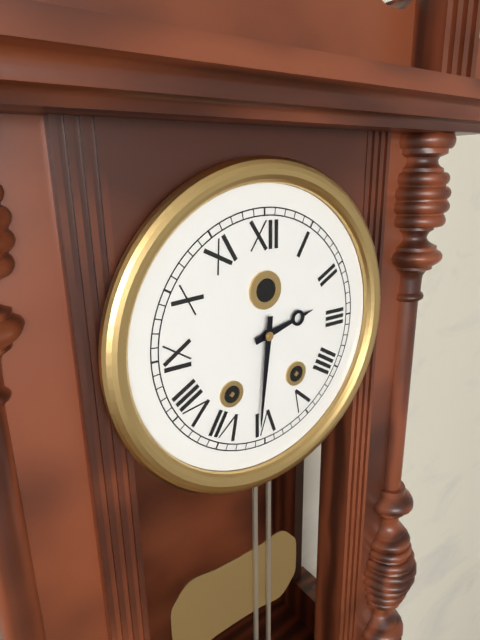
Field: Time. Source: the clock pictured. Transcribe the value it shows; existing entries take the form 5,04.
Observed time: 2,31
